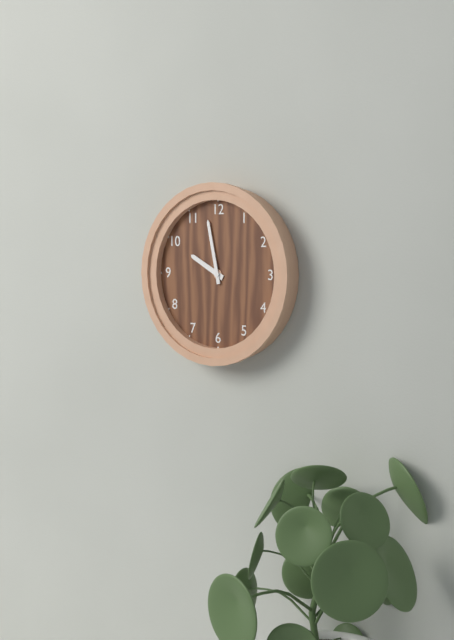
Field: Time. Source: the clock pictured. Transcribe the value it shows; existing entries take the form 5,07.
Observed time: 9,58
